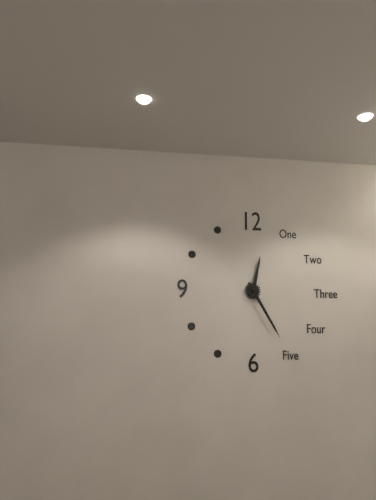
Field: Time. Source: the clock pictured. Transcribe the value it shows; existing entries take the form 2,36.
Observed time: 12,25
